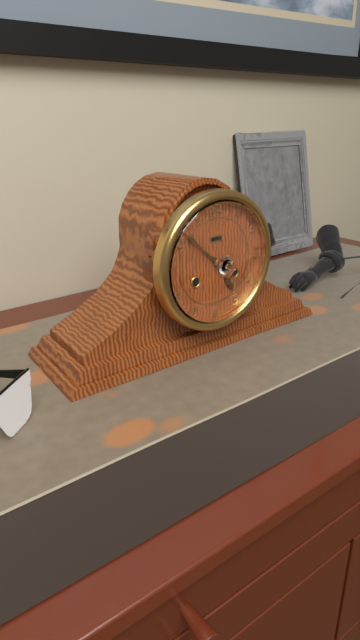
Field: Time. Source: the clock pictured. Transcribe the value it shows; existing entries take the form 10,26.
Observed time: 4,52
